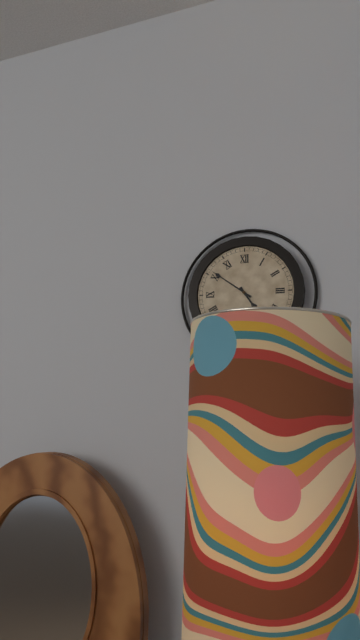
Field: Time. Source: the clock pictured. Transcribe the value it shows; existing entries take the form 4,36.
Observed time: 4,51
